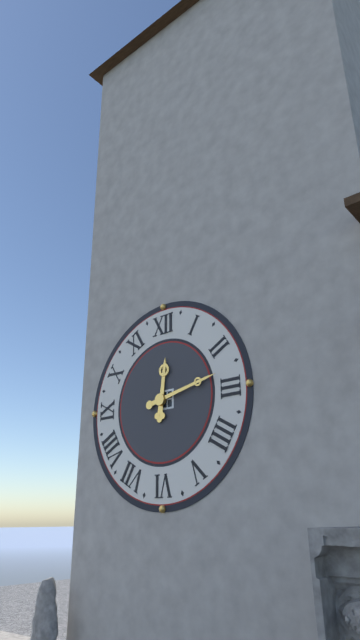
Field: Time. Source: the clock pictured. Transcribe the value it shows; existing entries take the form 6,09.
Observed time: 12,13
